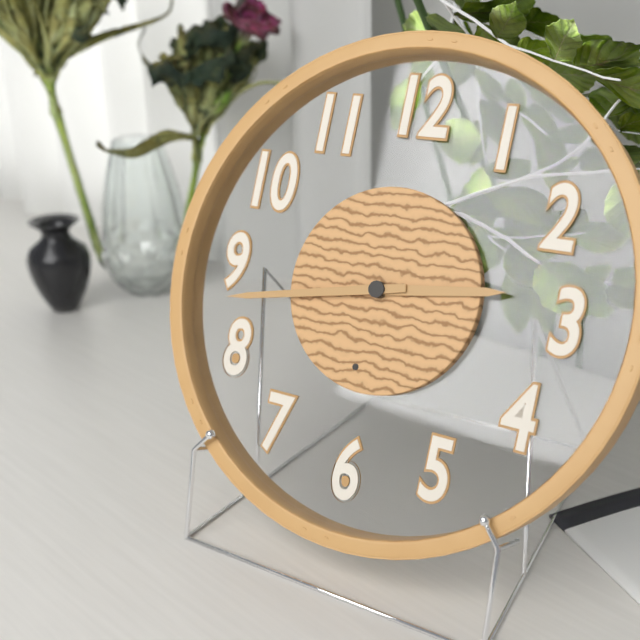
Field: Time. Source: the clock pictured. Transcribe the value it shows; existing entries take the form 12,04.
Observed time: 2,43
